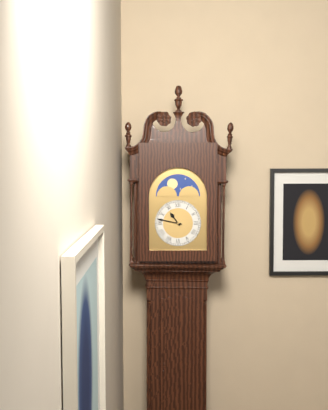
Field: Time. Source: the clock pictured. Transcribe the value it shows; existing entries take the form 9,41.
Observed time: 10,47
